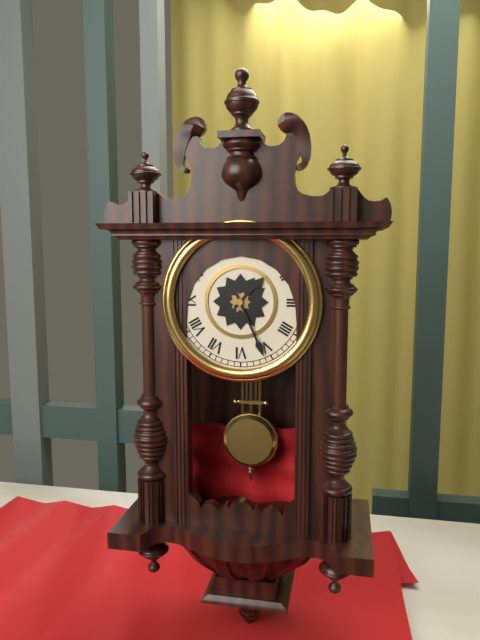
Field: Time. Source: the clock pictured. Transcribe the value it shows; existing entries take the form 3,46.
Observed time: 1,26
